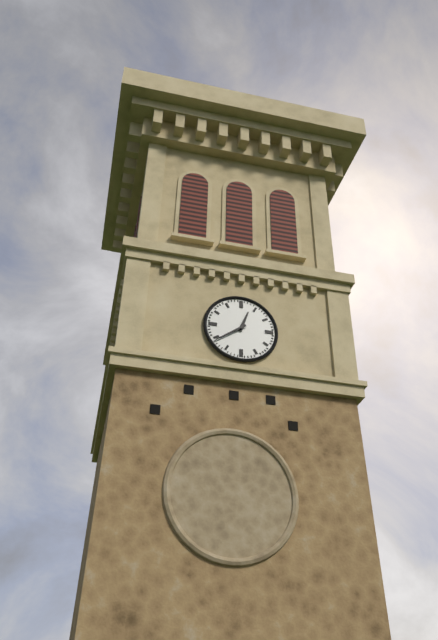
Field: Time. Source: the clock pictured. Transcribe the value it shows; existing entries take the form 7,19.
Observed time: 12,39
